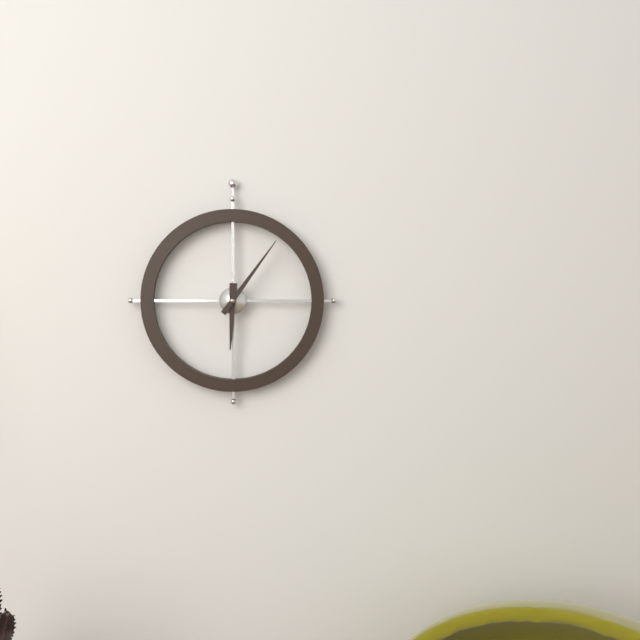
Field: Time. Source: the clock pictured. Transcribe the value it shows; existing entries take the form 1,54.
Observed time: 6,06
